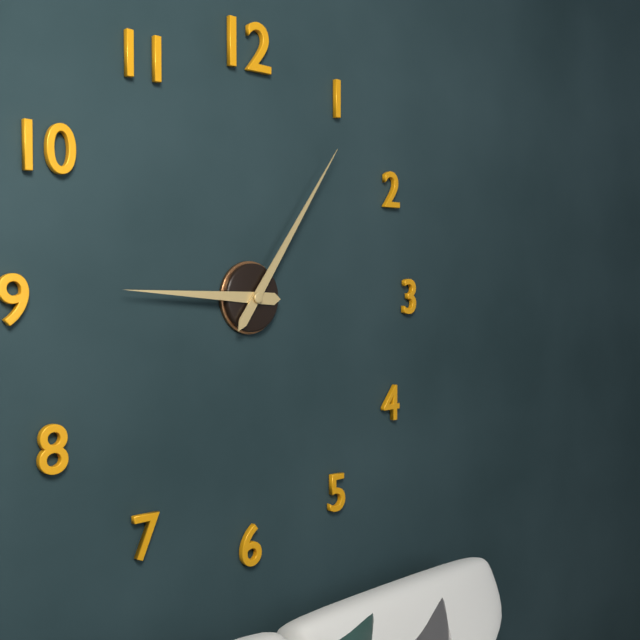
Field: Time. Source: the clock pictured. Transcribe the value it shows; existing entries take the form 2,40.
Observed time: 9,06
